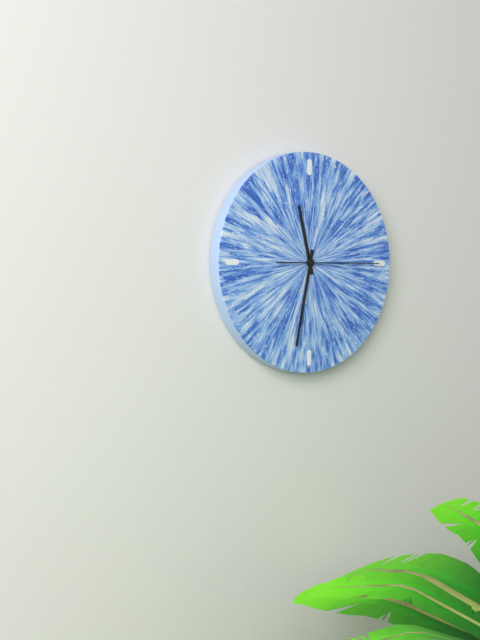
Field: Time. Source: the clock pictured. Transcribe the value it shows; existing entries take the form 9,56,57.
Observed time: 11,32,15
